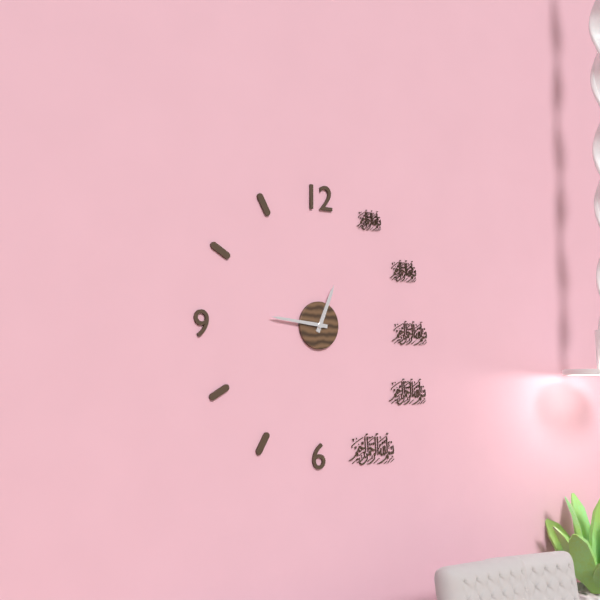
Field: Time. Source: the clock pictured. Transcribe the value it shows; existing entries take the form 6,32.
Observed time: 12,46
